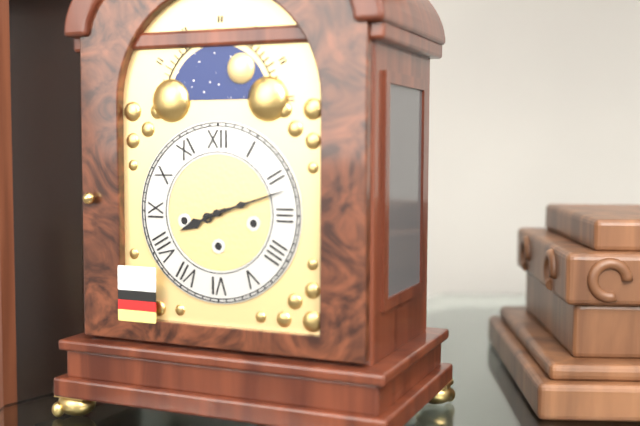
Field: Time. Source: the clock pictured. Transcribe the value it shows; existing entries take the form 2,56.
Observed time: 8,12
